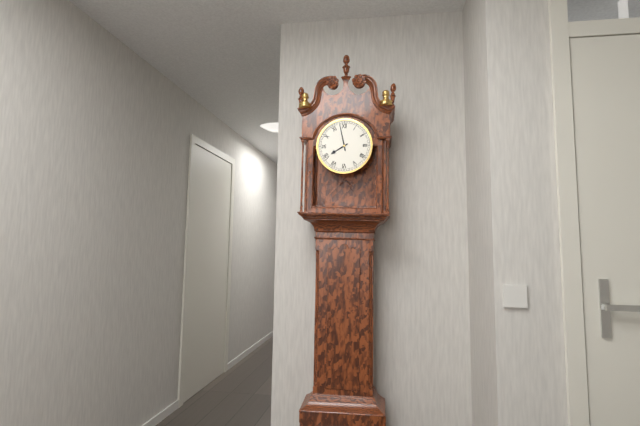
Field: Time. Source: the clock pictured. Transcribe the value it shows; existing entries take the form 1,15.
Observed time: 7,58
